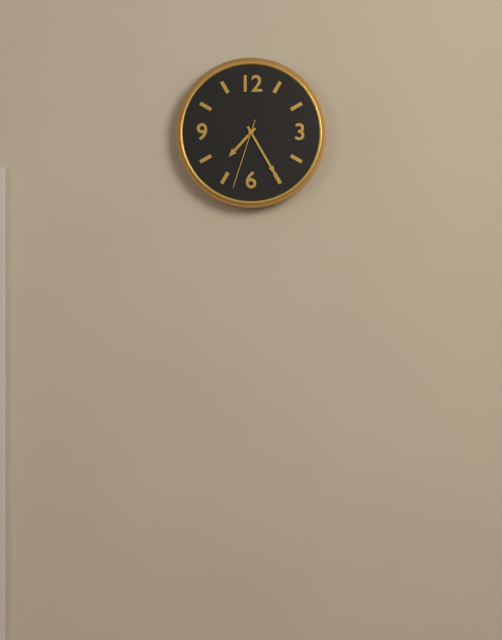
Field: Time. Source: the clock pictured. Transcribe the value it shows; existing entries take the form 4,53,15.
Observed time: 7,25,33
